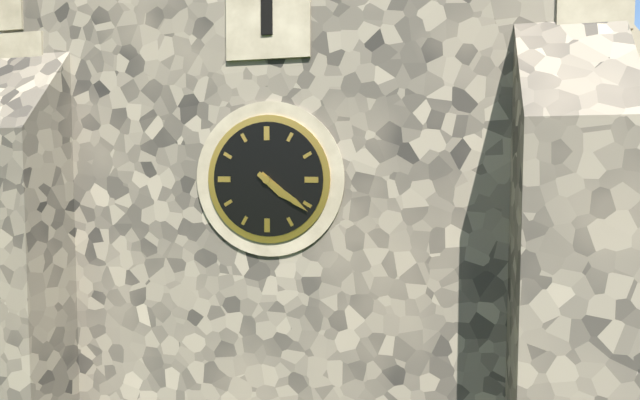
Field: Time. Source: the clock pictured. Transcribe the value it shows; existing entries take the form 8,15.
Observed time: 4,21
